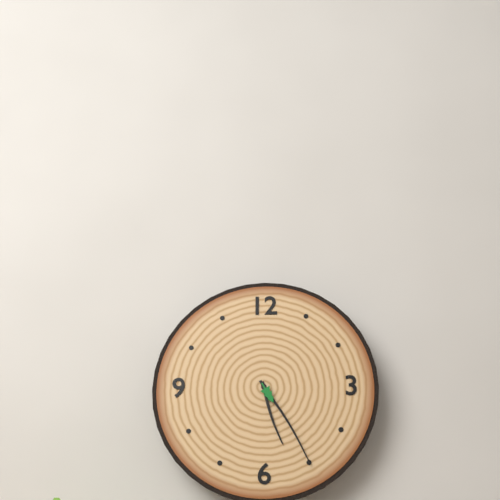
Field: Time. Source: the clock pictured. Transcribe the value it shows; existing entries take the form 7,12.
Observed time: 5,25
